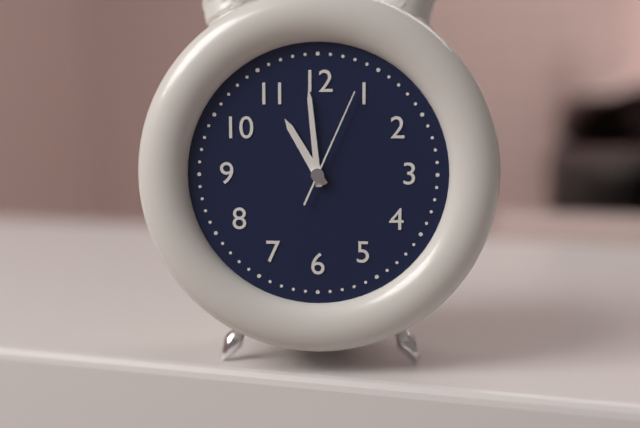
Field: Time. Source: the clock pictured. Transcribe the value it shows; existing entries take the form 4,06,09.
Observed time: 10,59,04
